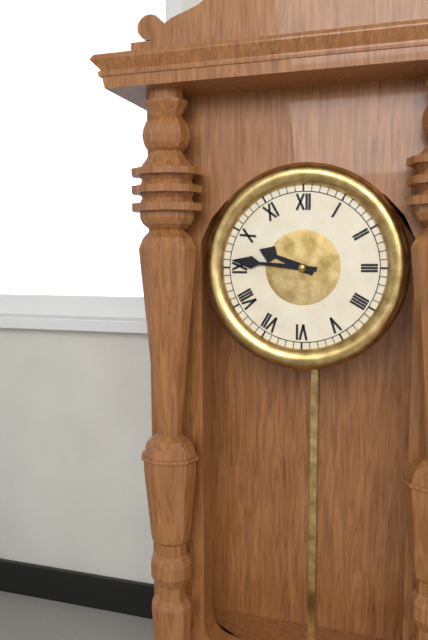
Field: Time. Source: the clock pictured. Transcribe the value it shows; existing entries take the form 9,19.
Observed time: 9,46
